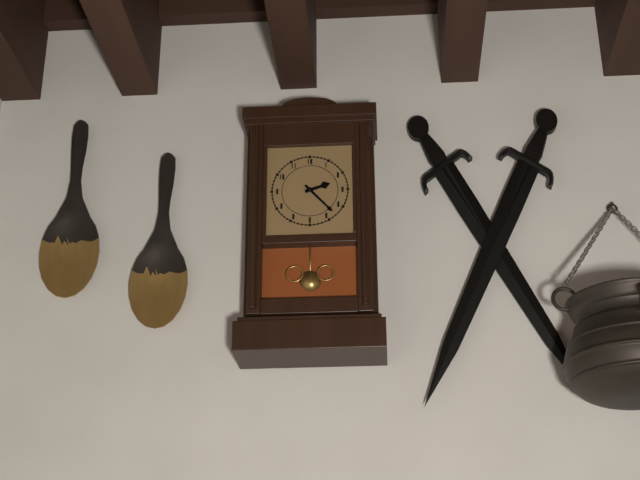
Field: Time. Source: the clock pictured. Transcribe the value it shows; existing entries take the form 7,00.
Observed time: 2,23
